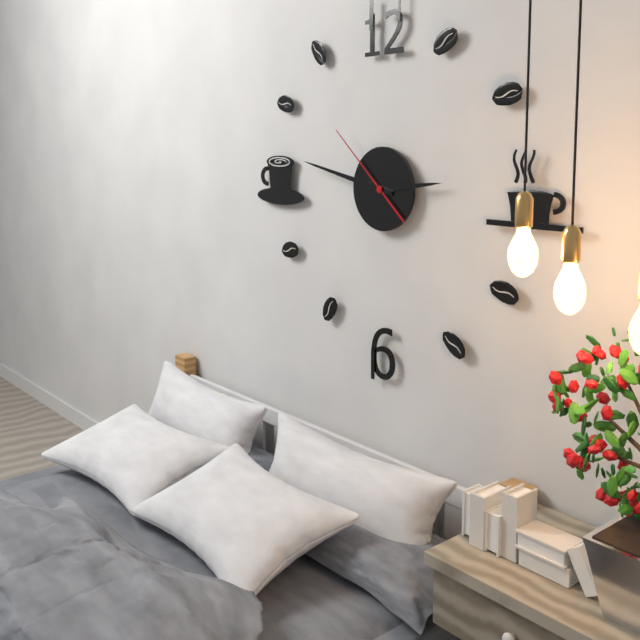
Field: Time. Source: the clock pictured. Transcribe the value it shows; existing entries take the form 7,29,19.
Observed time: 2,47,52
